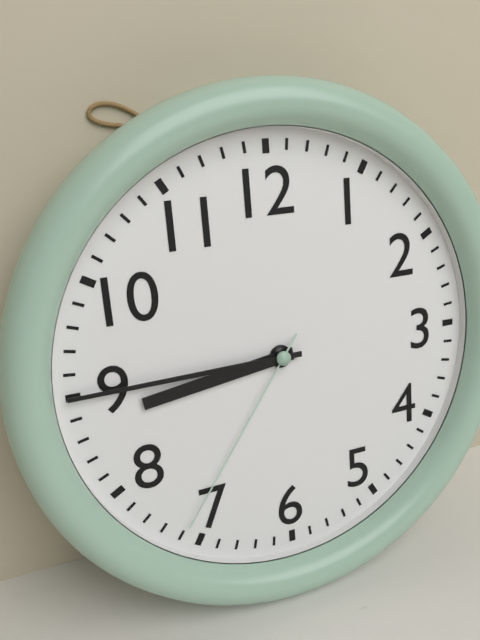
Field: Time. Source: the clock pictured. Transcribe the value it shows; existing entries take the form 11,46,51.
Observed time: 8,45,36
